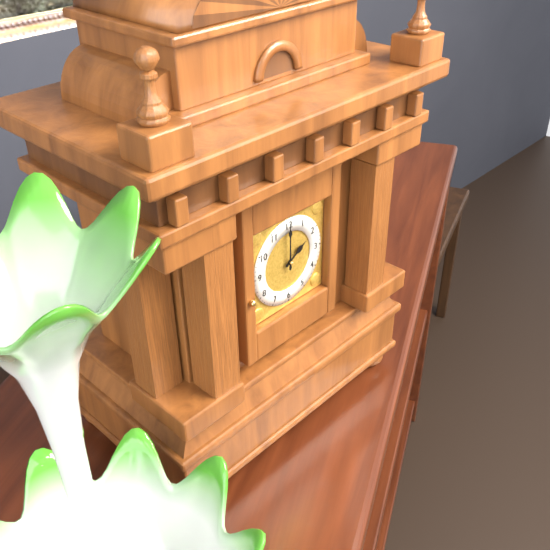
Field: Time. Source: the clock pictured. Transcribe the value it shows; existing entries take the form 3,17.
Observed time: 2,00
